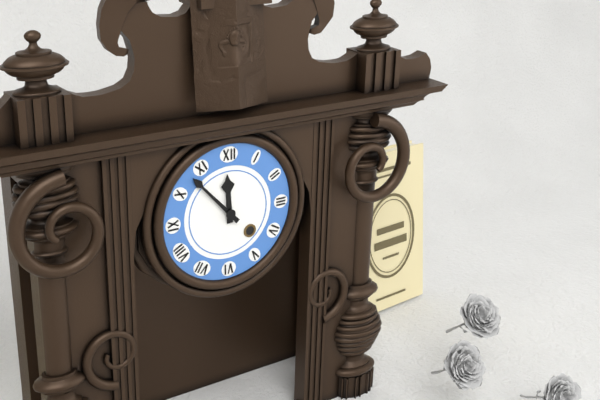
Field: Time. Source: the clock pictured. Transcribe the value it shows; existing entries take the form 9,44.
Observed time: 11,53
